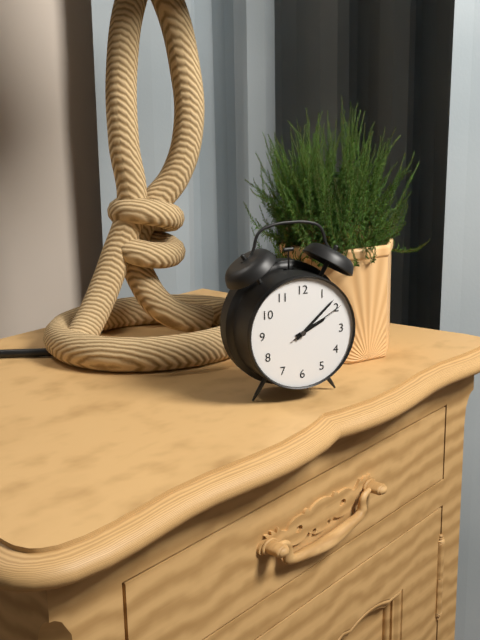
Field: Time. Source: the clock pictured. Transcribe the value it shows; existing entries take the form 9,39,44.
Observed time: 2,08,10
